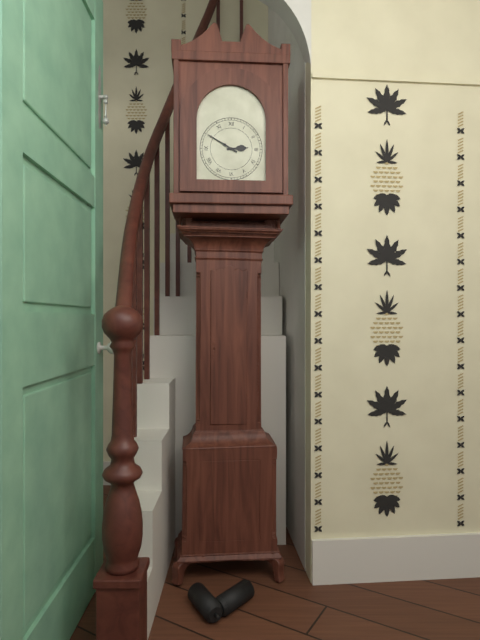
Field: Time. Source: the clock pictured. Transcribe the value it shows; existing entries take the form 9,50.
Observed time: 2,50
